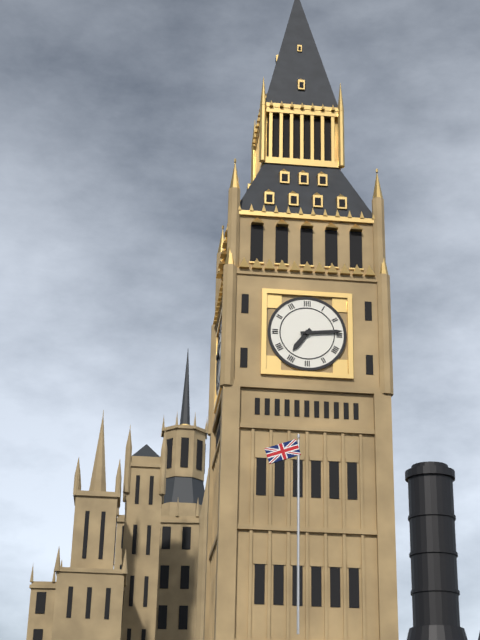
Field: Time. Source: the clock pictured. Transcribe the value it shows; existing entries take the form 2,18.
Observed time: 7,14
